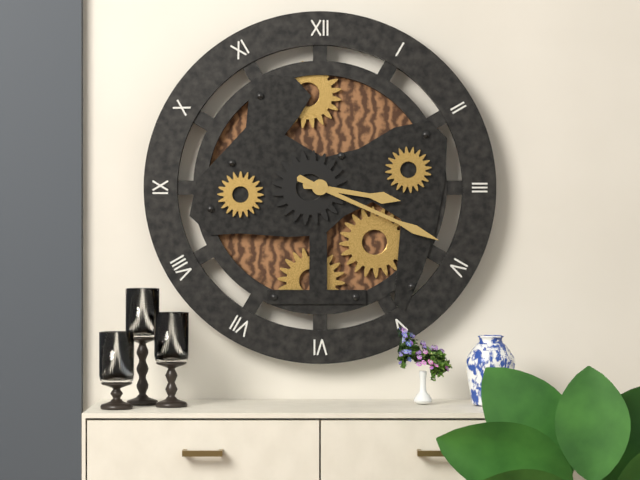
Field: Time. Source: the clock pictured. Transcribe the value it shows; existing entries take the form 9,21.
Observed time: 3,19
